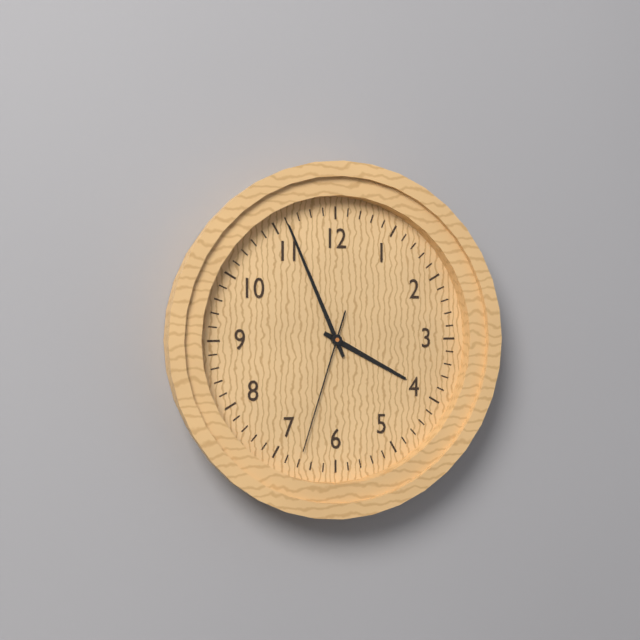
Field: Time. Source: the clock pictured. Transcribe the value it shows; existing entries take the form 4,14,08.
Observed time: 3,56,33
